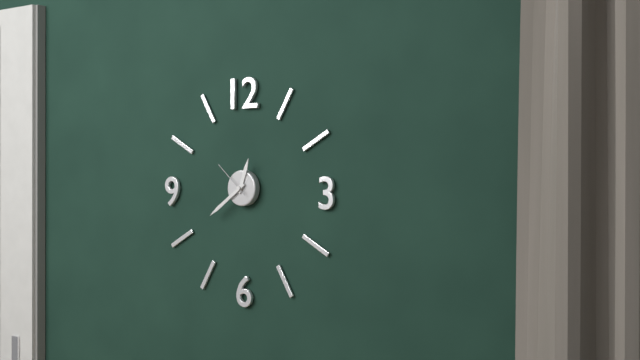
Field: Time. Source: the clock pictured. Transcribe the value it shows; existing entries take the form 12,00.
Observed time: 12,39
